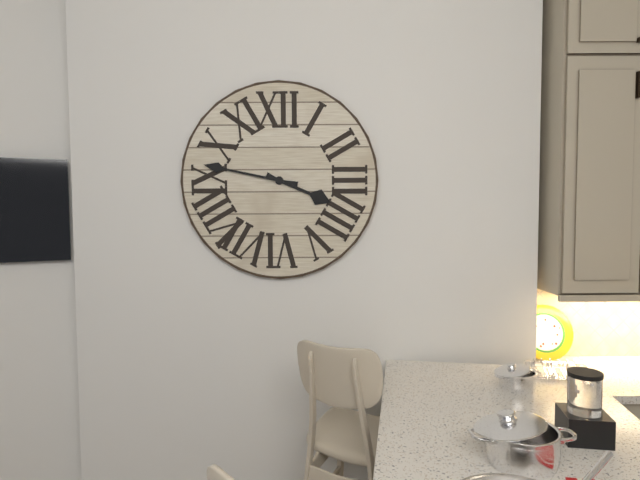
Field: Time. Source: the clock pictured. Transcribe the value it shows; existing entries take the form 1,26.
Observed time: 3,47
